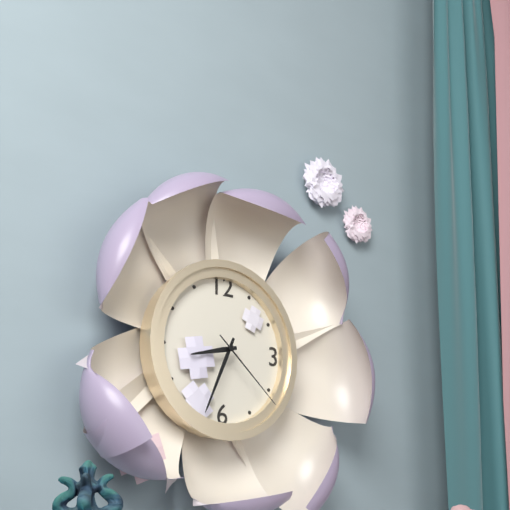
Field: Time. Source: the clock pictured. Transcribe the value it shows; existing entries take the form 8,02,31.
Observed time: 8,34,22
